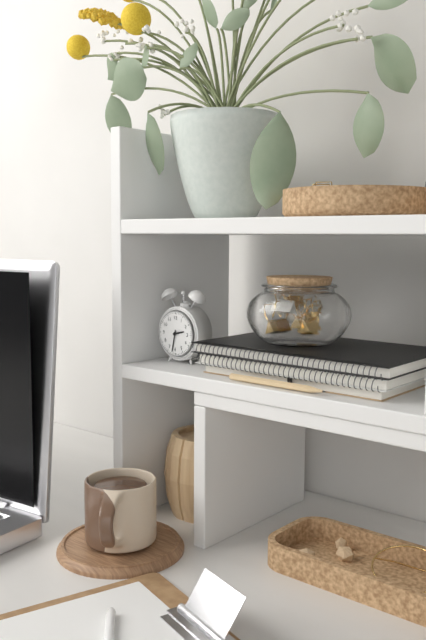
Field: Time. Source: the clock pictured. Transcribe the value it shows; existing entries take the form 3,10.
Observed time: 2,32
